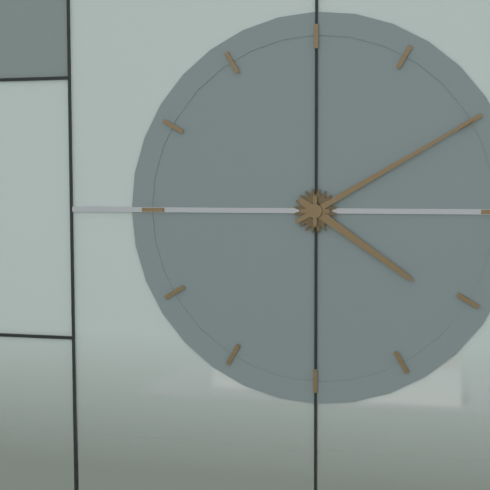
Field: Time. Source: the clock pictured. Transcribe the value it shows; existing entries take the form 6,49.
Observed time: 4,10
